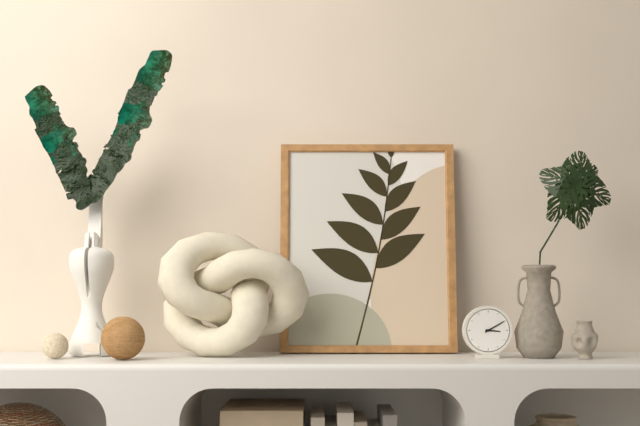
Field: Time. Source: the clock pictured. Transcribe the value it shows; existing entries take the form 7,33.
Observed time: 3,10
